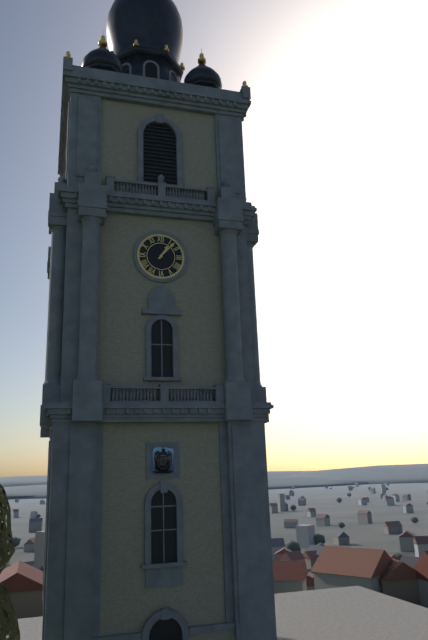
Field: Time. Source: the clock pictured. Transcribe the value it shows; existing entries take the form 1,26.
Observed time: 1,07
